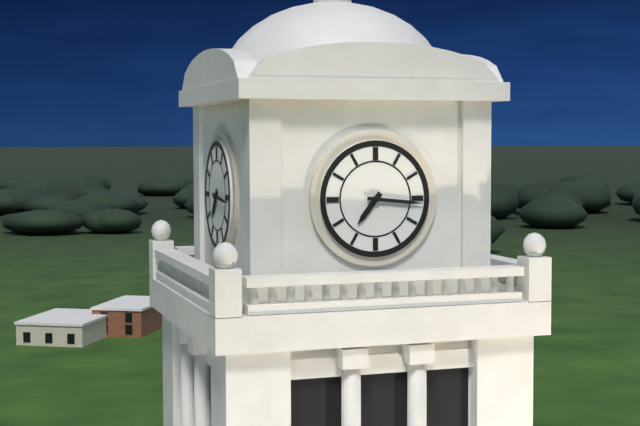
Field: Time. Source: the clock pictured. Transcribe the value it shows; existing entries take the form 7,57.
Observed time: 7,16
